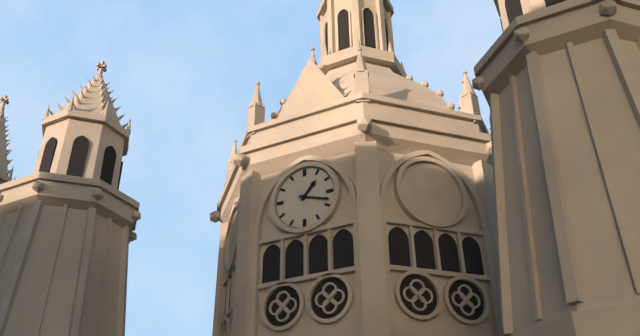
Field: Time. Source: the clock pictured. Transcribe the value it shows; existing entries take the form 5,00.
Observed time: 1,18
